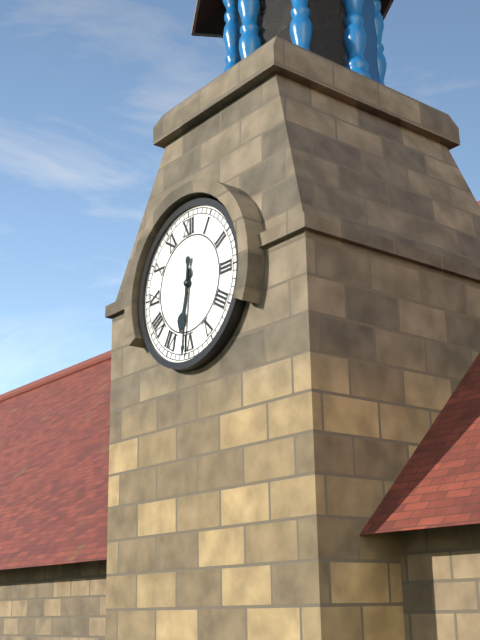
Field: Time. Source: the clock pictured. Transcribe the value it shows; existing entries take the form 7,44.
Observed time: 6,31
